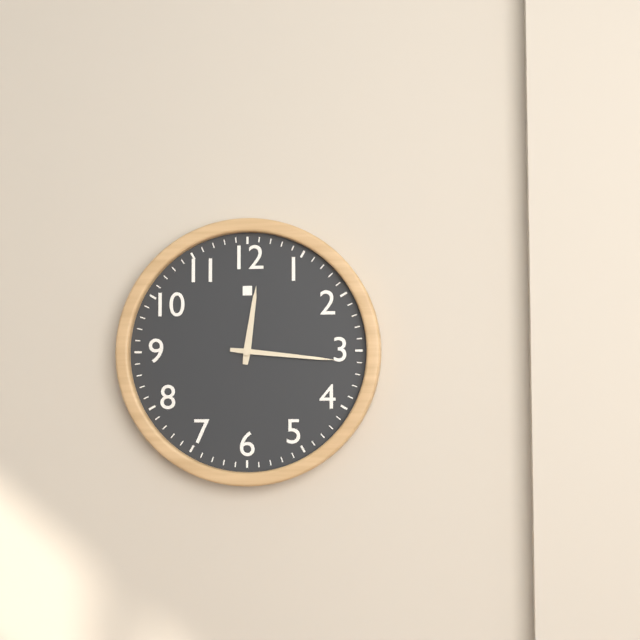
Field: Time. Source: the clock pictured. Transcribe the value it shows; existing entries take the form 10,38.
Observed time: 12,16
